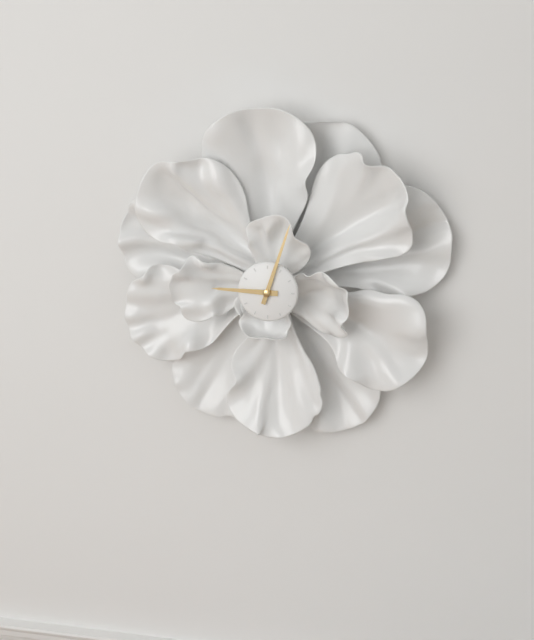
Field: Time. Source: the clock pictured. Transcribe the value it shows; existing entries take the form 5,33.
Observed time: 9,03
